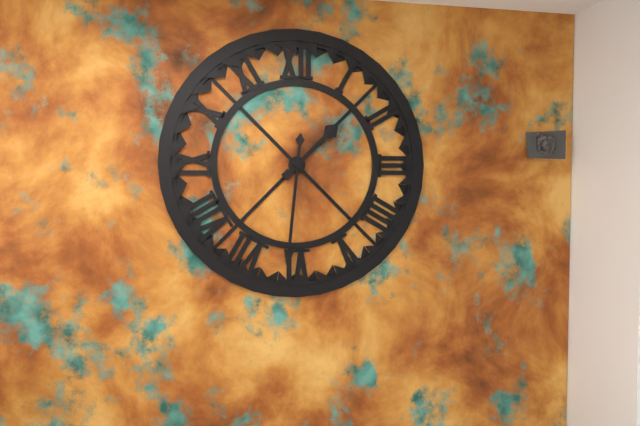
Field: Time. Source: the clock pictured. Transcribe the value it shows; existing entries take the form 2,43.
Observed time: 1,31
